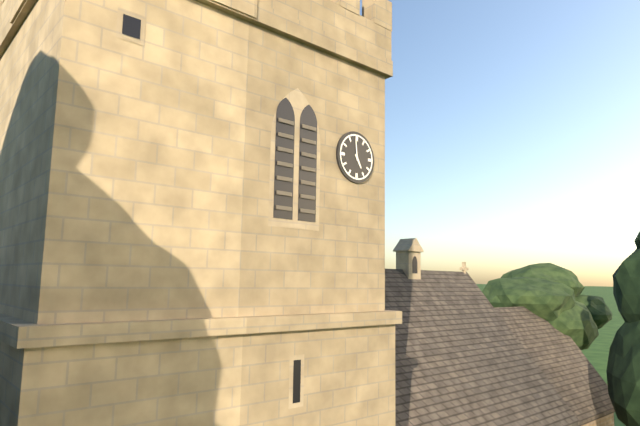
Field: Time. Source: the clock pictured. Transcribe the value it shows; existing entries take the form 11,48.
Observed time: 4,59
